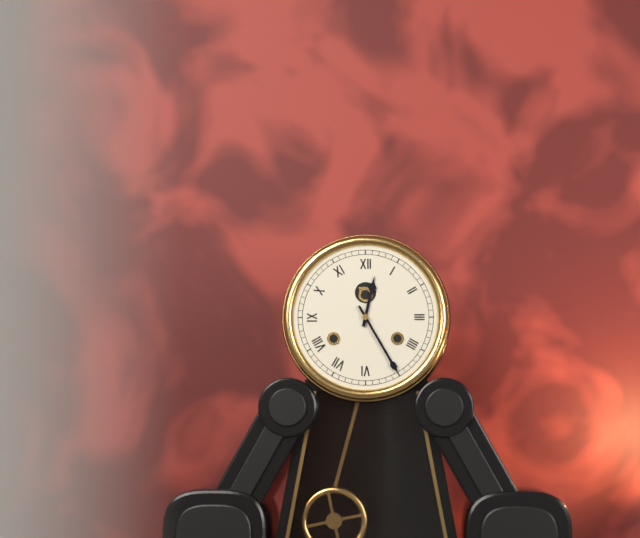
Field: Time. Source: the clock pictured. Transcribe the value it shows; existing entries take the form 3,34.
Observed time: 12,25
